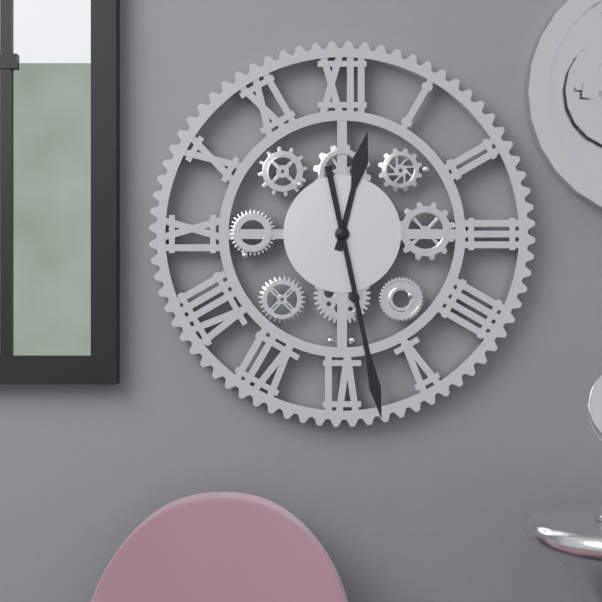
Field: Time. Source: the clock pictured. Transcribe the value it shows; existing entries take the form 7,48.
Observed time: 12,28
